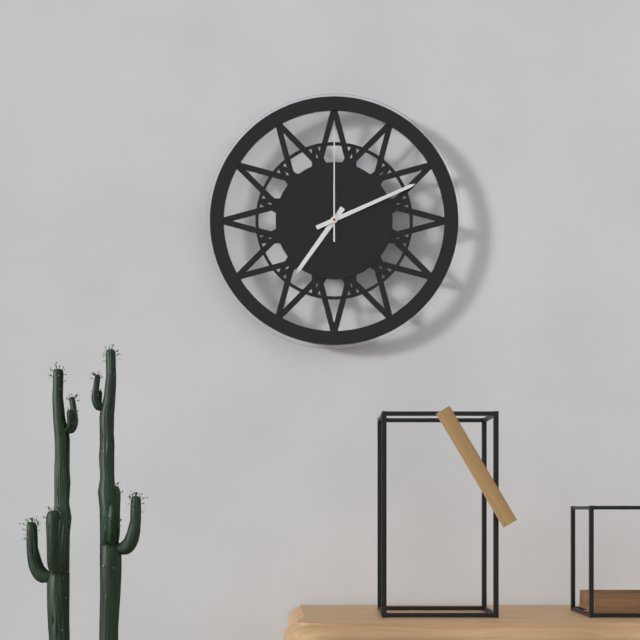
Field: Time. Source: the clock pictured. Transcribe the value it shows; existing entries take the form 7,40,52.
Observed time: 7,11,00
